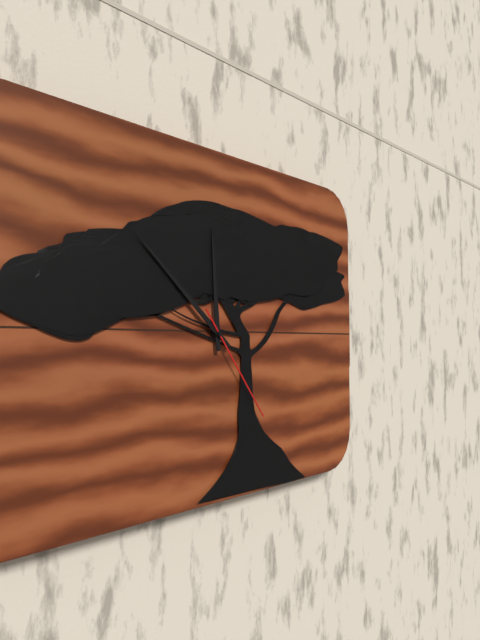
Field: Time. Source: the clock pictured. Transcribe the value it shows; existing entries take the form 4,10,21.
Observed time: 11,52,24
